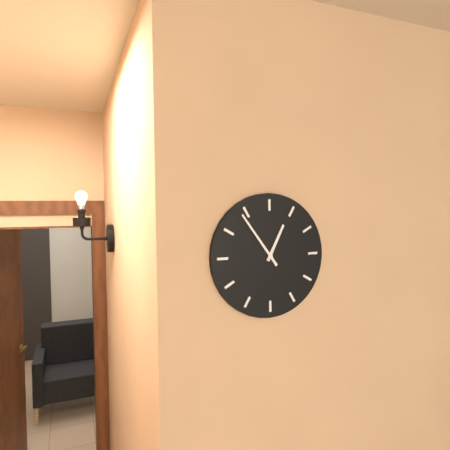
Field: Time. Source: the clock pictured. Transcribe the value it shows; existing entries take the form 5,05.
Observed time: 12,54
